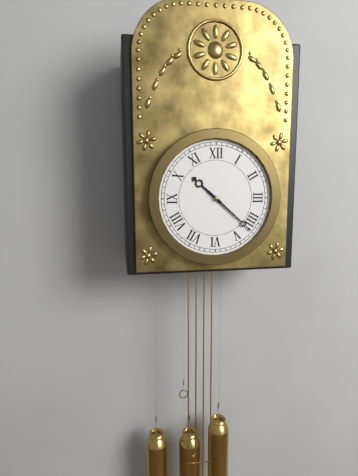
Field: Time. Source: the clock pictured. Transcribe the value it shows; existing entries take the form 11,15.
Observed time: 10,22
